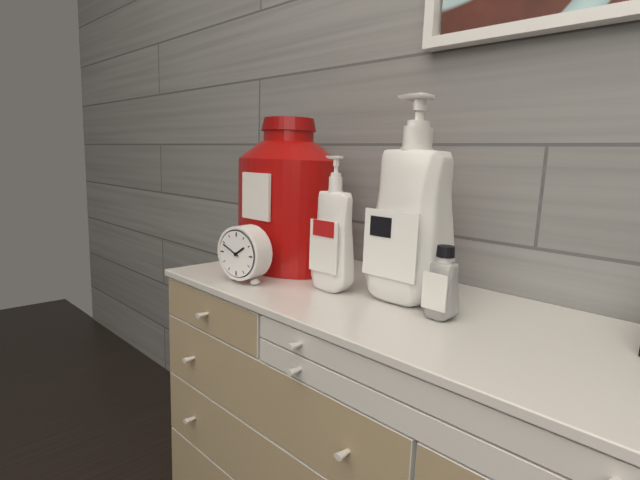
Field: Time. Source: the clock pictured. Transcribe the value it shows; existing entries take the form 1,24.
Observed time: 1,49
